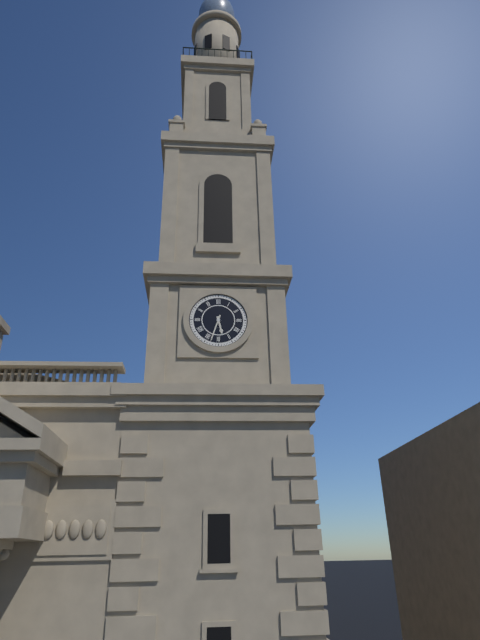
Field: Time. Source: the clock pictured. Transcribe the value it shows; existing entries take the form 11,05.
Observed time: 5,33
